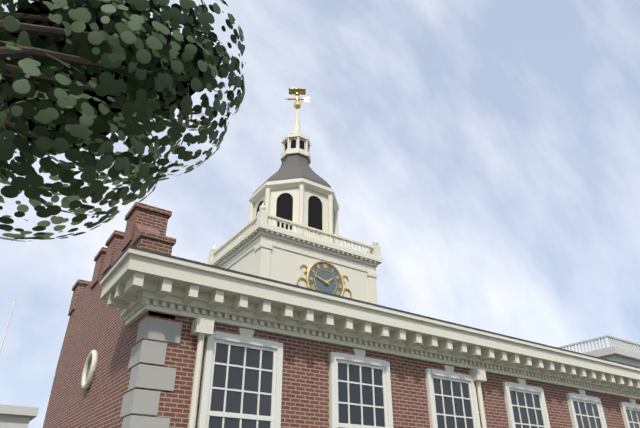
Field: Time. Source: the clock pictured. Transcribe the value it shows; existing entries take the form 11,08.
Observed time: 1,48
